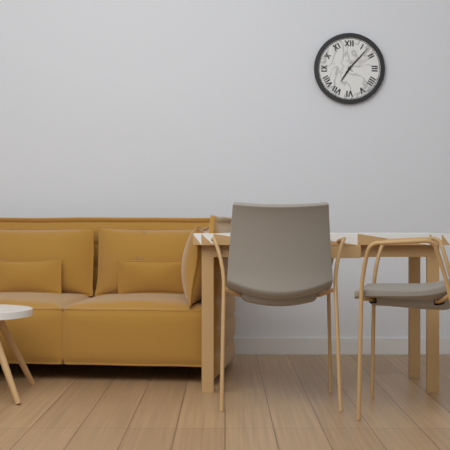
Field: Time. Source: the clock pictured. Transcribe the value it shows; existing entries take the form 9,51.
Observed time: 7,07
